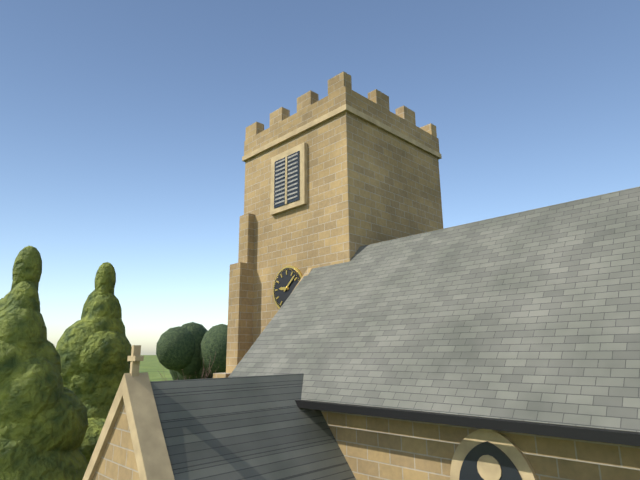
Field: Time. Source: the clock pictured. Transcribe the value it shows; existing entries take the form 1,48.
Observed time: 9,08
